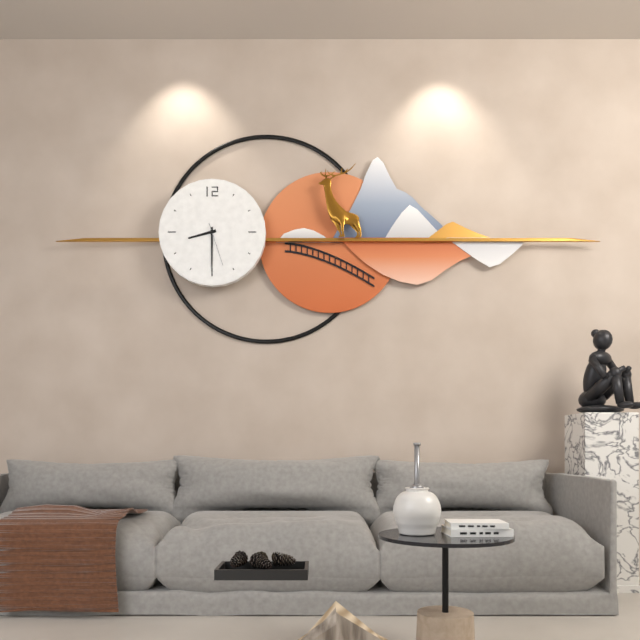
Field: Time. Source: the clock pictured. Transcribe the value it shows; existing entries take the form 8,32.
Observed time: 8,30
